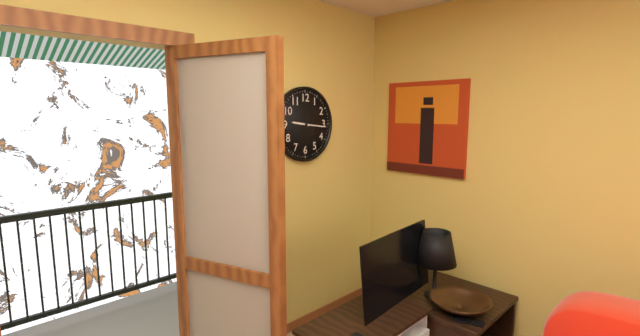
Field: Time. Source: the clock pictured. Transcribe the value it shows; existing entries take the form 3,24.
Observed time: 9,16
